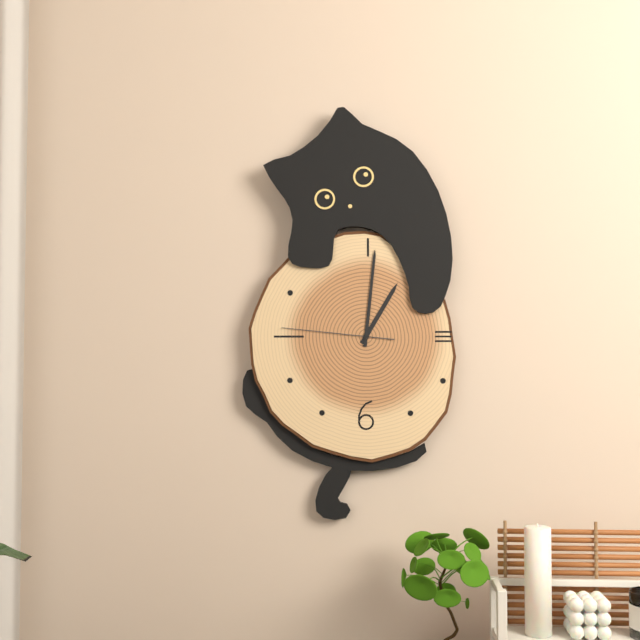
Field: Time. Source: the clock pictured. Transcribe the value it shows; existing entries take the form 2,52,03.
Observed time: 1,01,46
